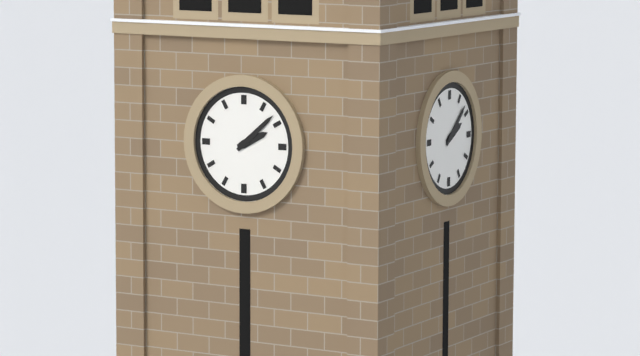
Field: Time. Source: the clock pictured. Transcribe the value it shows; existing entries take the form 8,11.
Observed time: 2,08
